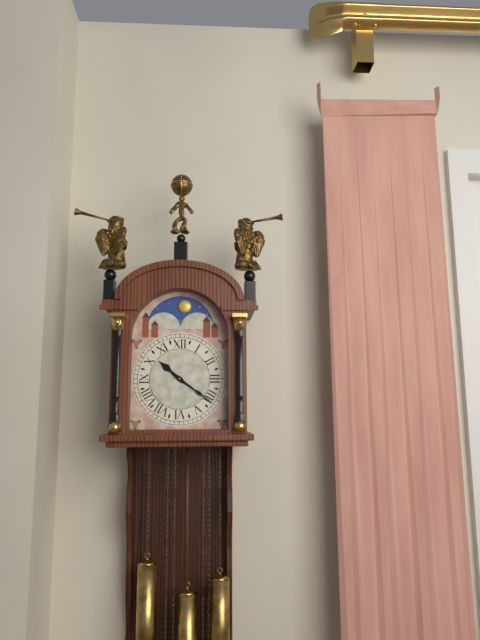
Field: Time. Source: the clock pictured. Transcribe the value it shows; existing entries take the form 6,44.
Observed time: 10,21
